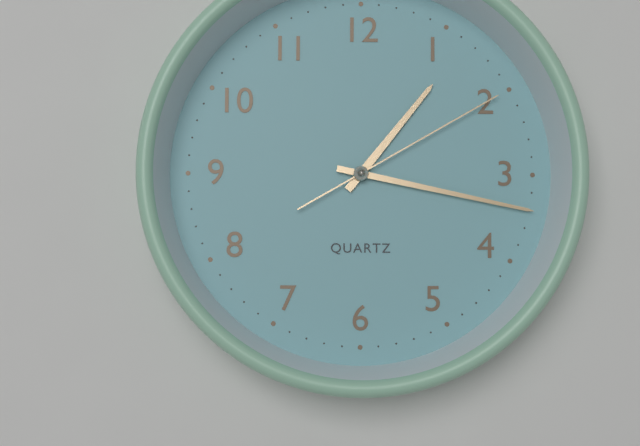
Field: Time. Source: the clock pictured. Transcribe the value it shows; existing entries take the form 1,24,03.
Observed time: 1,17,10
